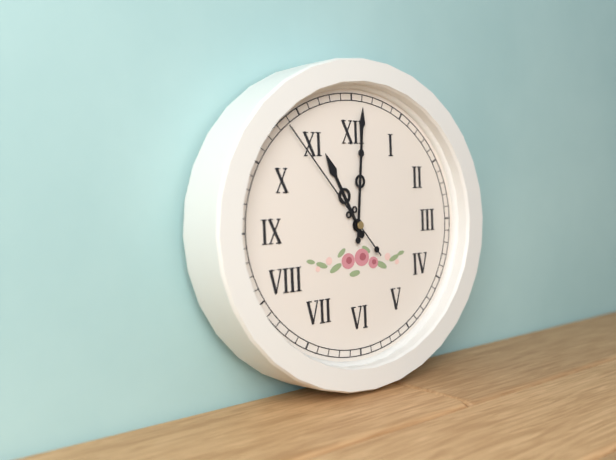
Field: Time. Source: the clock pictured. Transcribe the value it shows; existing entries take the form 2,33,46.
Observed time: 11,01,53
